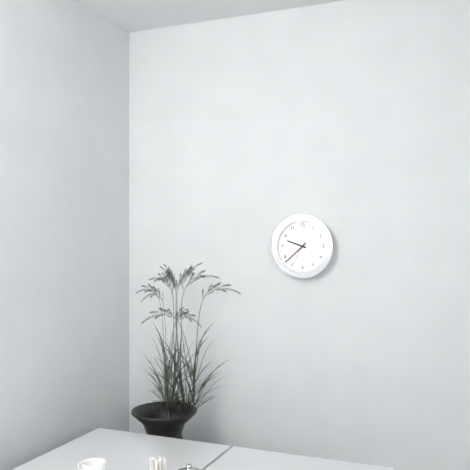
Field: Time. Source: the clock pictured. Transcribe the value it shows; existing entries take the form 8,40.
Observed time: 9,38
